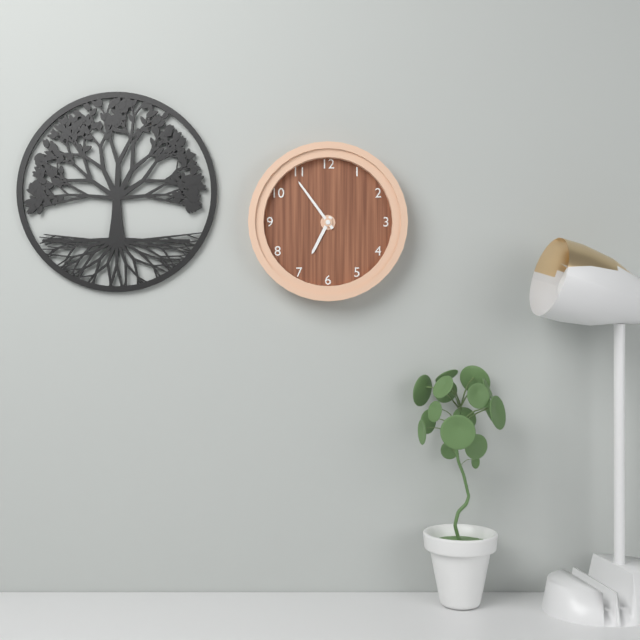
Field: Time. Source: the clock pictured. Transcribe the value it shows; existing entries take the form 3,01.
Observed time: 6,54
